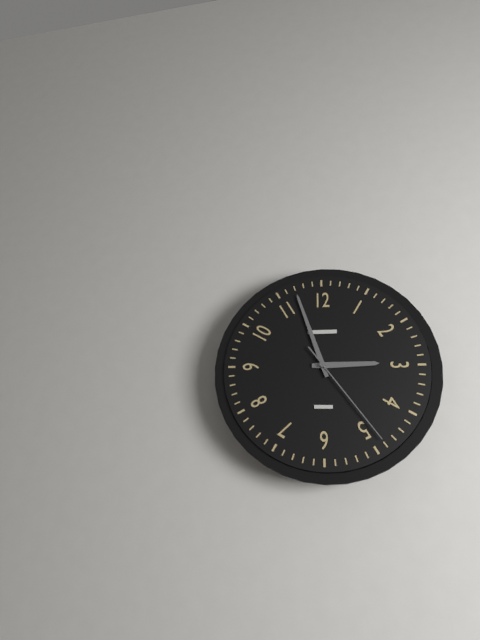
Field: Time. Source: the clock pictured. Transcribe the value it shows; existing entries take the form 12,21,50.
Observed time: 2,57,24
